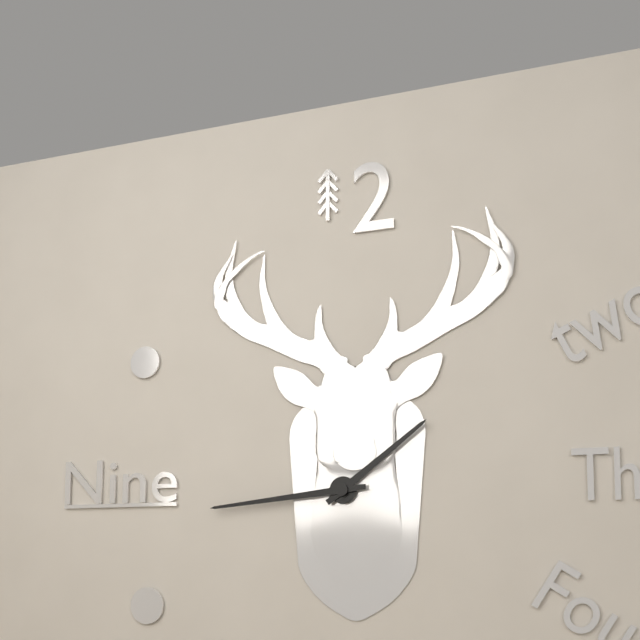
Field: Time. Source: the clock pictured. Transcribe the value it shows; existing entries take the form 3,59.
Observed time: 1,44
